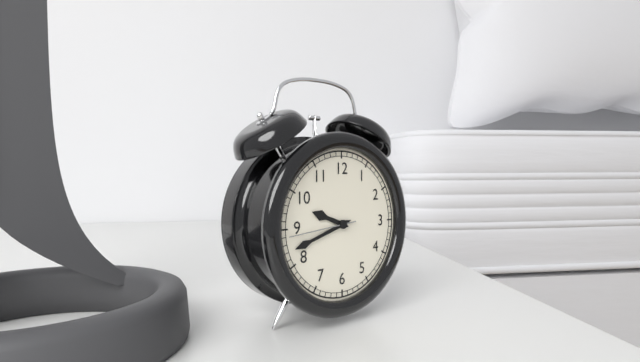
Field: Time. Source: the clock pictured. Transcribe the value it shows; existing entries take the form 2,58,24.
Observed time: 9,42,44
